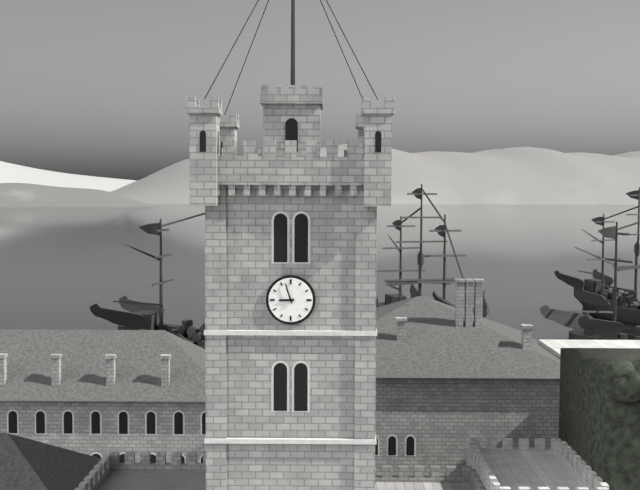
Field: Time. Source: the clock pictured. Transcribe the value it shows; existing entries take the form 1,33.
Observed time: 8,57
